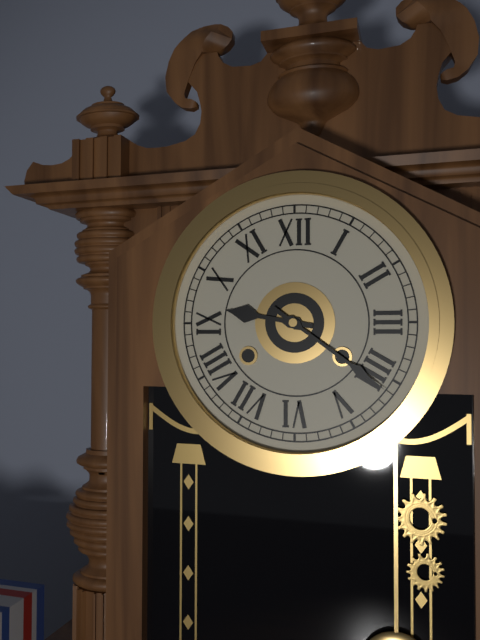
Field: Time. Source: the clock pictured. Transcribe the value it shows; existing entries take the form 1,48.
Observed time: 9,21
